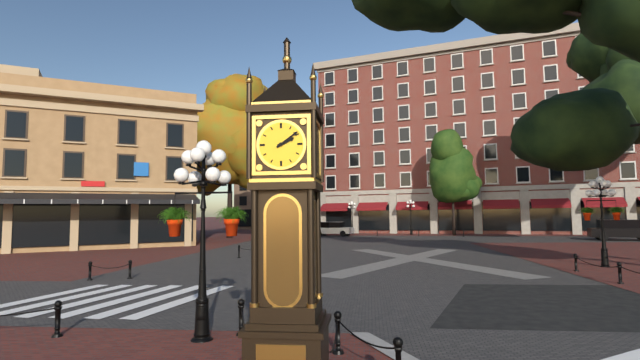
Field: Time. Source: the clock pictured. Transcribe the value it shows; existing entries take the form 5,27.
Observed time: 2,09
